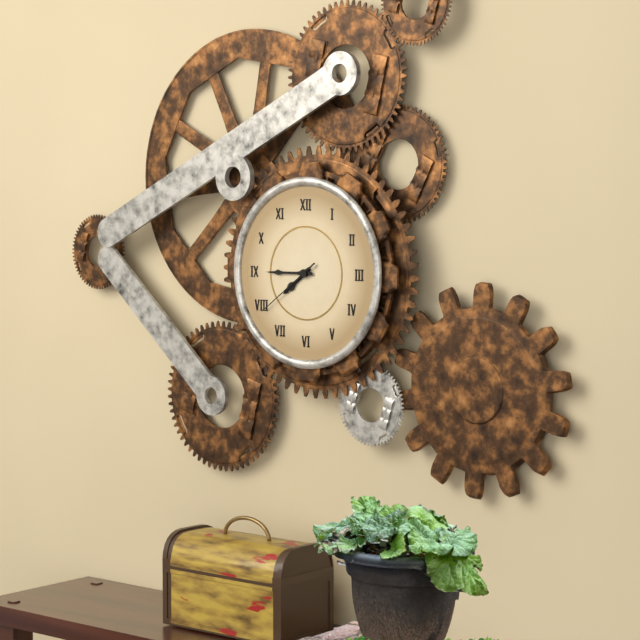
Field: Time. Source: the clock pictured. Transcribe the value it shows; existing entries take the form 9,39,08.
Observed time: 7,45,39
